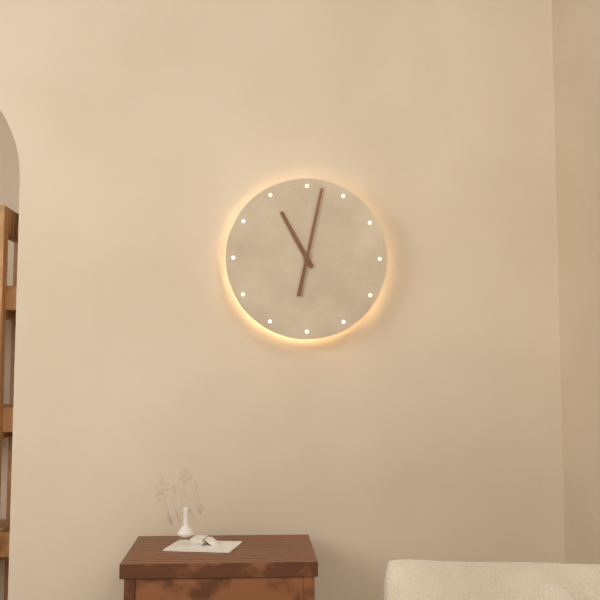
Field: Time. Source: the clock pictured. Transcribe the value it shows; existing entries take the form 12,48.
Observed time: 11,02
